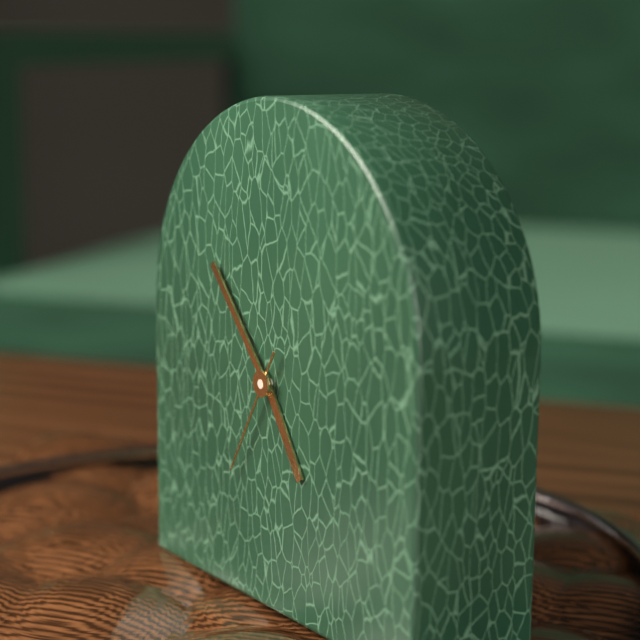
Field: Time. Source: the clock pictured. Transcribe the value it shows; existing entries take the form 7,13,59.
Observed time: 4,53,35
